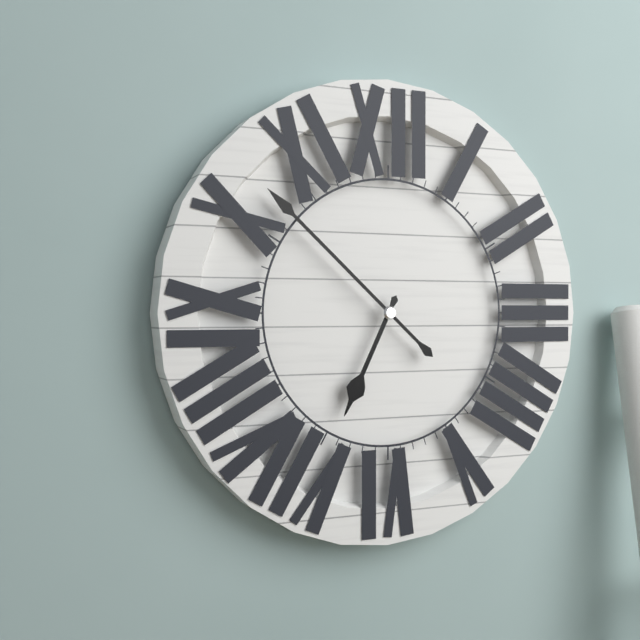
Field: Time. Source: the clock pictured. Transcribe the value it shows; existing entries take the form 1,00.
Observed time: 6,52
